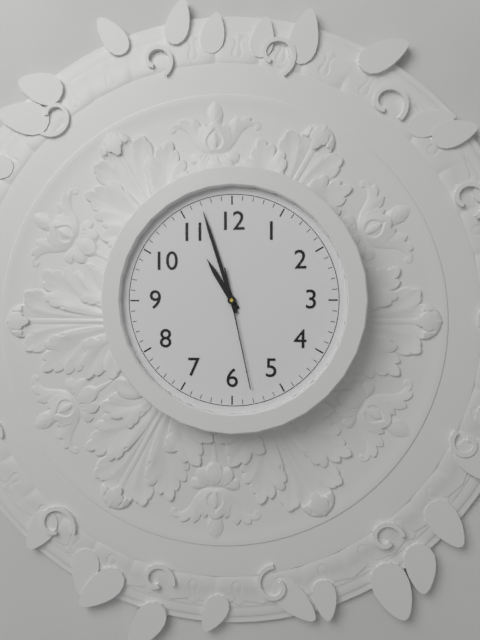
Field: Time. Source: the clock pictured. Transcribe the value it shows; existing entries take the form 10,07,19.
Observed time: 10,57,28
